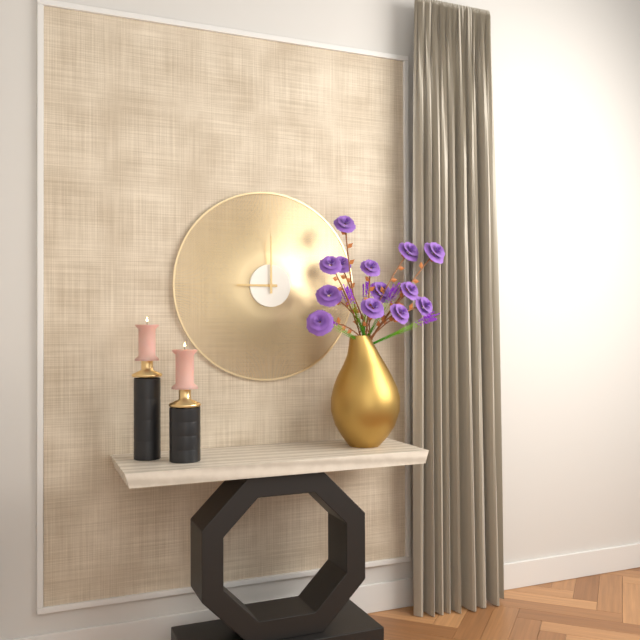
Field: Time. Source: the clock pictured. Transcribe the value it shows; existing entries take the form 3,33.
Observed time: 9,00
